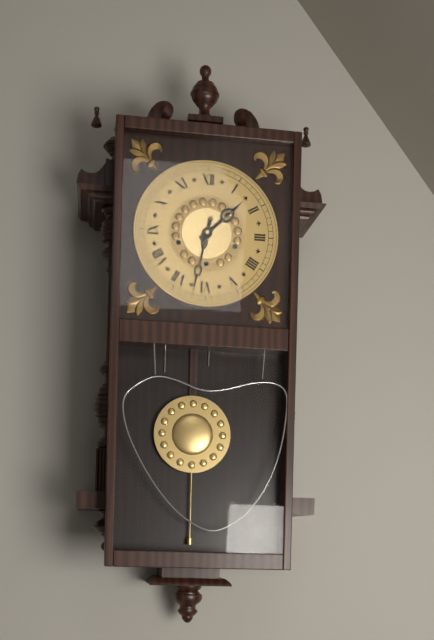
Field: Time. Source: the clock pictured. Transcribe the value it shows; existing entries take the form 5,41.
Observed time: 1,32
